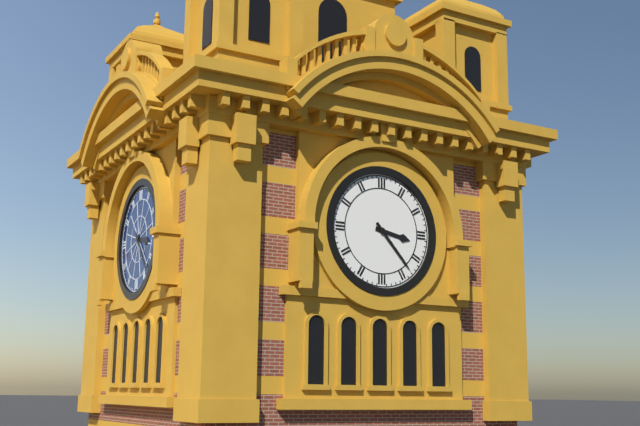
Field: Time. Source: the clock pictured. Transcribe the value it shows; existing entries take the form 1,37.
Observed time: 3,23
